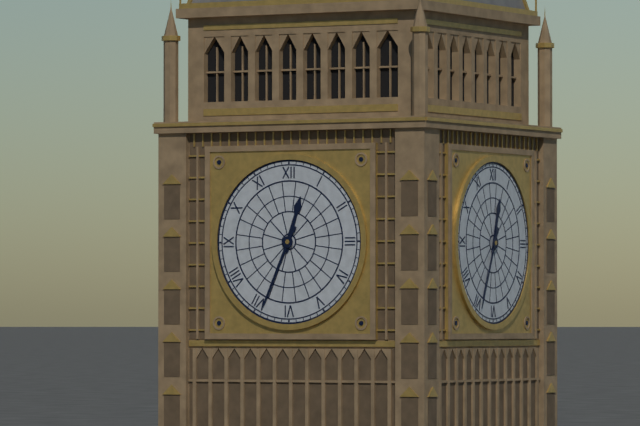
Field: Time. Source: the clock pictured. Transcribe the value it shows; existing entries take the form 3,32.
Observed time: 12,34
